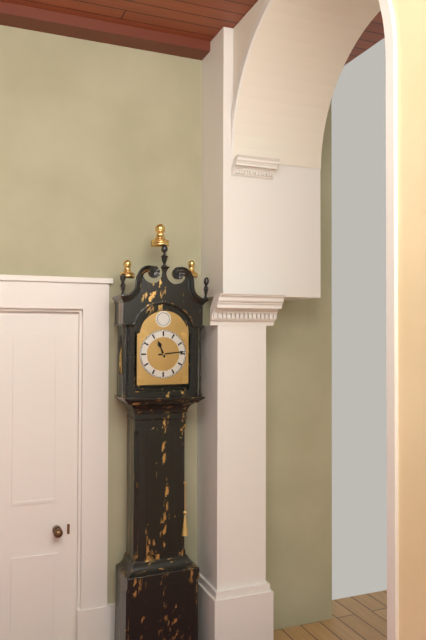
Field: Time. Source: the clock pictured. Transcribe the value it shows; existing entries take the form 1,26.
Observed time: 11,14
